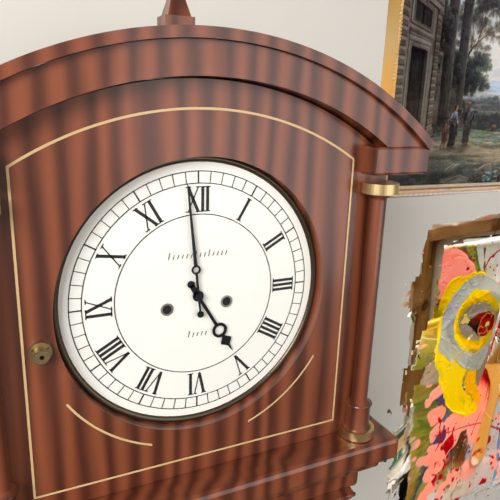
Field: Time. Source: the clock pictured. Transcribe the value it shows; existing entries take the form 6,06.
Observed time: 4,59
